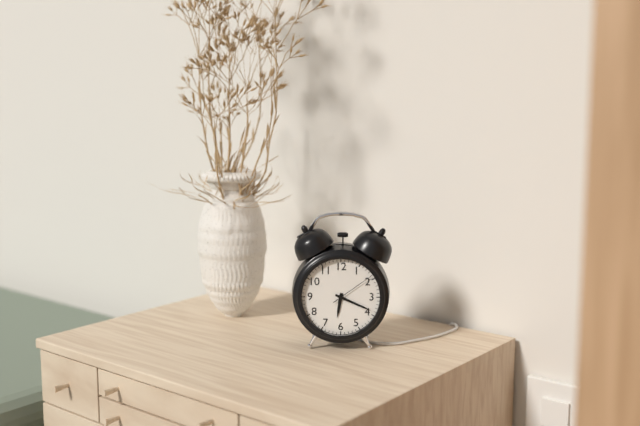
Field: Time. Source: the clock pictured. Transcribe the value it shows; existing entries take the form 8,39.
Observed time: 6,19
